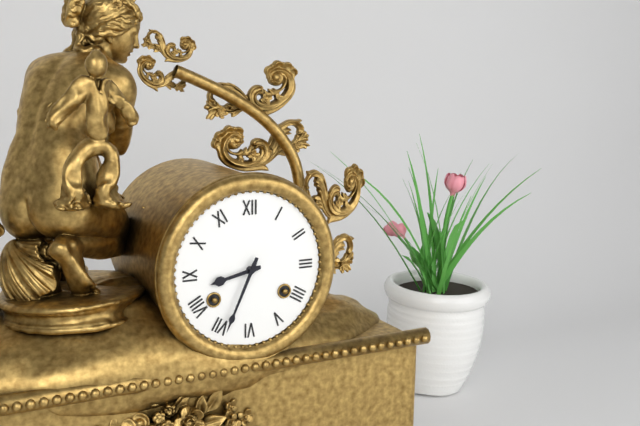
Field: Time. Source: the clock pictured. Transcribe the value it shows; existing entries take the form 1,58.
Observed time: 8,34
